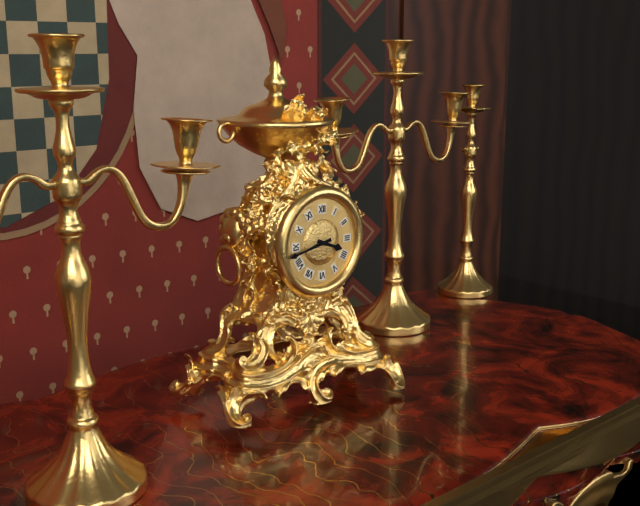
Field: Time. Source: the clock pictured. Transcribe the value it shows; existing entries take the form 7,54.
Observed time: 3,43
